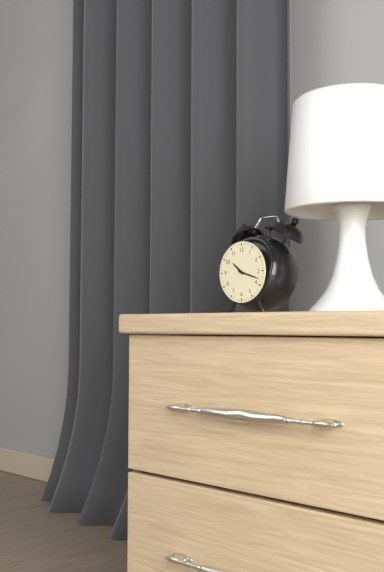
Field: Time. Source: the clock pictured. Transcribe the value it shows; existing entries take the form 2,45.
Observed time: 10,18
